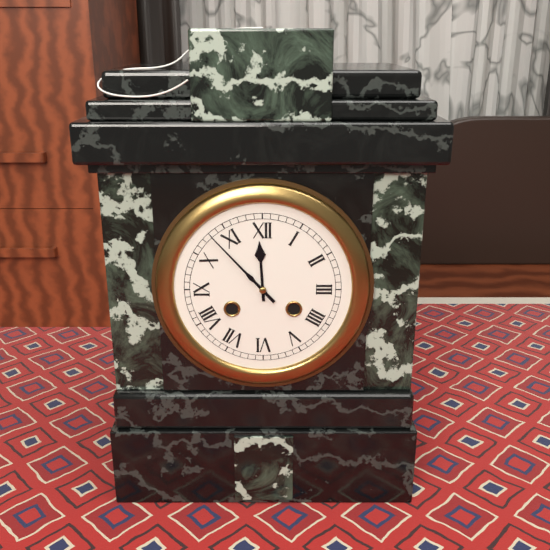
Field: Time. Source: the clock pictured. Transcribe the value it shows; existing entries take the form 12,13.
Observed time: 11,53
